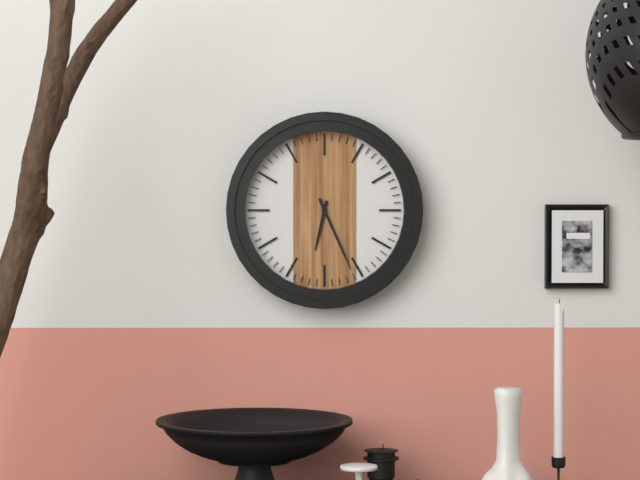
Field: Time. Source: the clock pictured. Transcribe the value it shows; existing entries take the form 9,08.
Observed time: 6,26
